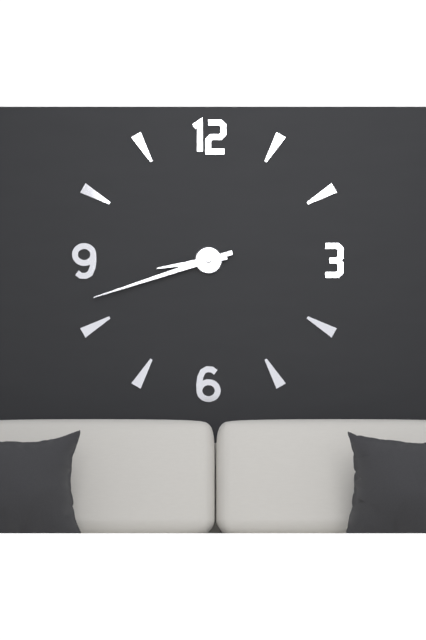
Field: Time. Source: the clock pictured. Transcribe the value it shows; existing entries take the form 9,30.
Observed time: 8,42
